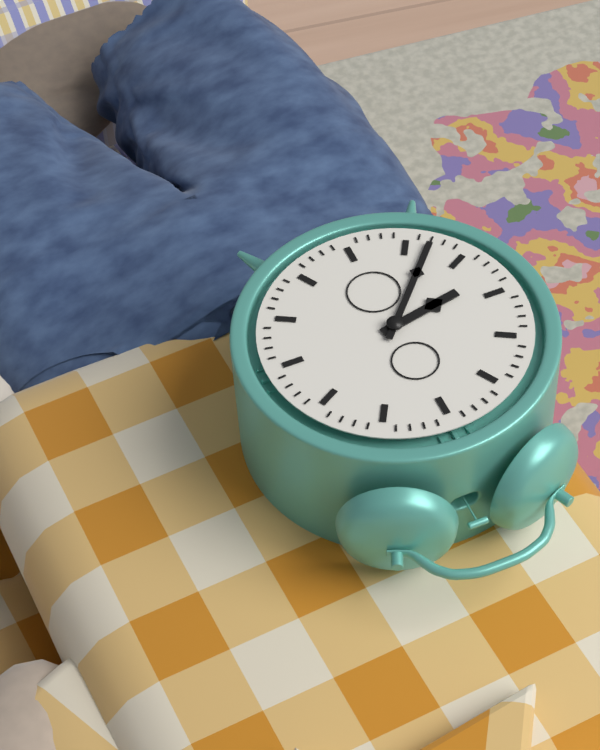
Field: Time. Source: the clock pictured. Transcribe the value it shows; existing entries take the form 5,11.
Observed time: 8,37
